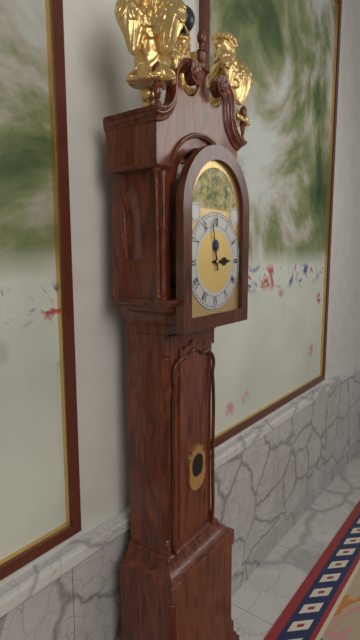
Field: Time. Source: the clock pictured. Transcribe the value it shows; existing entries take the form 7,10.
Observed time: 2,58
